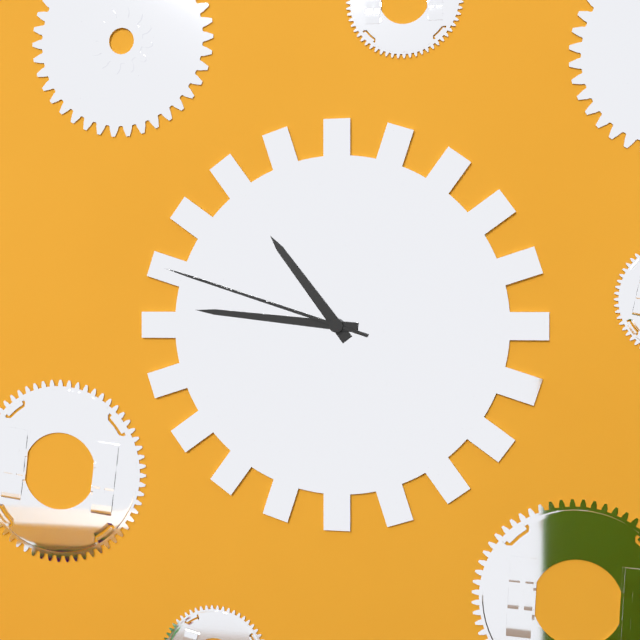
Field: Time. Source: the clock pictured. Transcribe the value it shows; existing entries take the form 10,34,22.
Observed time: 10,46,48
